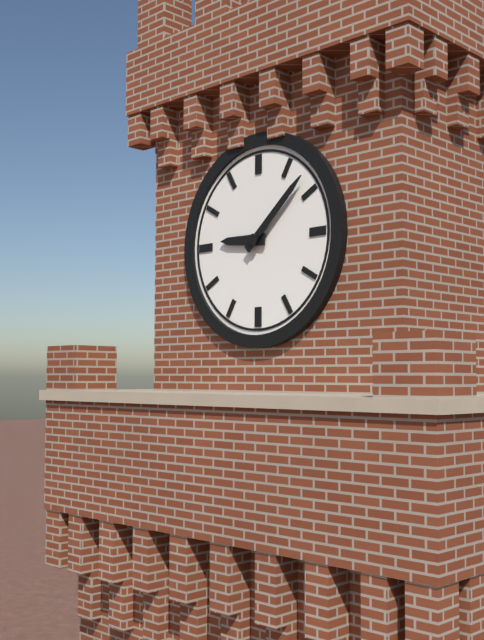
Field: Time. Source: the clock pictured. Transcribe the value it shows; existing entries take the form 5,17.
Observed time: 9,08
